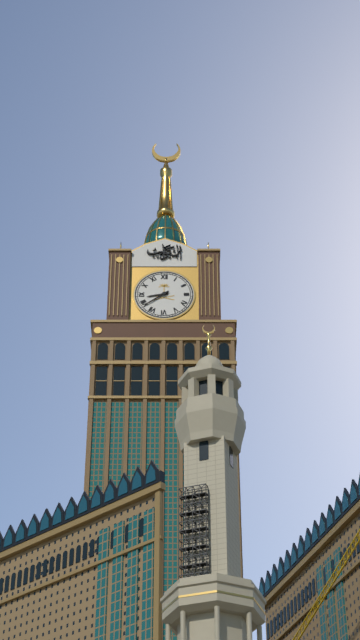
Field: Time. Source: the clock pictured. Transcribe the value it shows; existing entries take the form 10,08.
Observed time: 8,39
